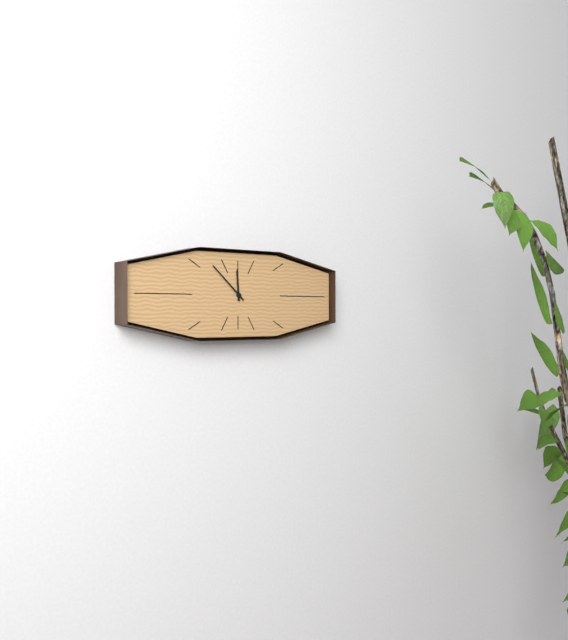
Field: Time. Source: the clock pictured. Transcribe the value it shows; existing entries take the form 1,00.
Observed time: 11,52
